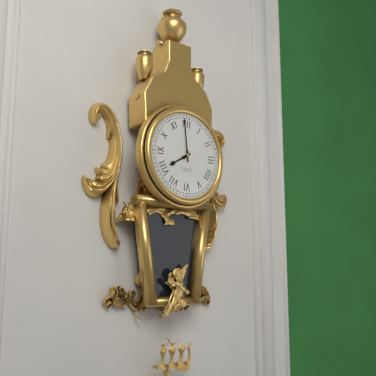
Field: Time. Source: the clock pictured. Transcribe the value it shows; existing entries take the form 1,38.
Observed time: 7,59
